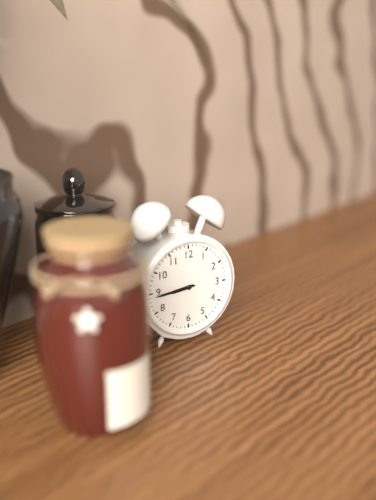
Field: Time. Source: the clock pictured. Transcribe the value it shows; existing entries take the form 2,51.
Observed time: 8,44
